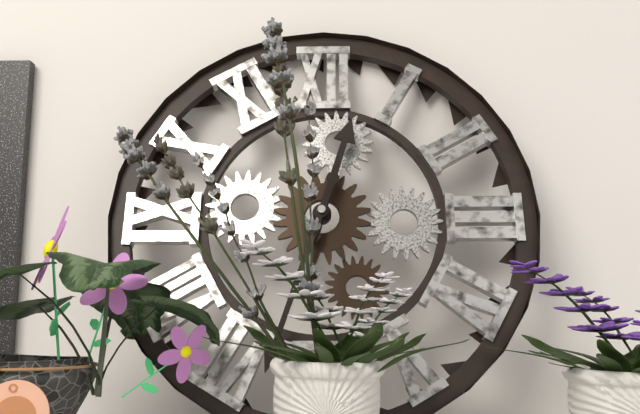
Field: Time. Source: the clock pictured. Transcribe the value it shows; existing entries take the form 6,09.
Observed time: 12,33
